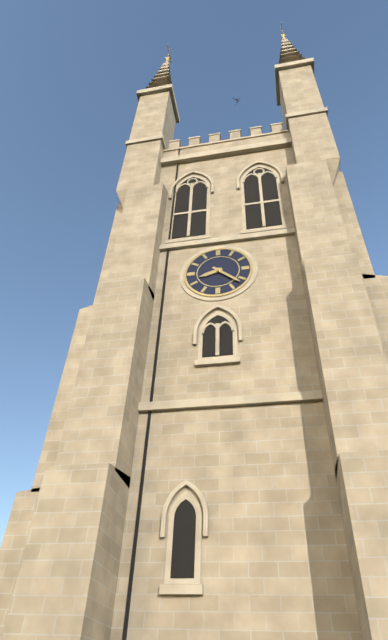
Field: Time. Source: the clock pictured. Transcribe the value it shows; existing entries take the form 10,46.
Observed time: 8,22
